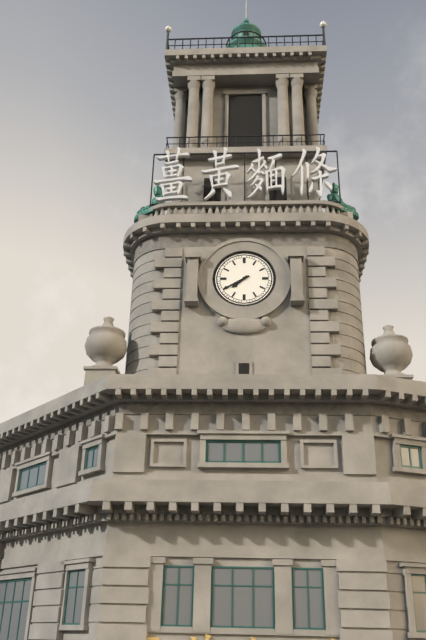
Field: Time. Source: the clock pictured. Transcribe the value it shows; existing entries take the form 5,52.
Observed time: 7,40
